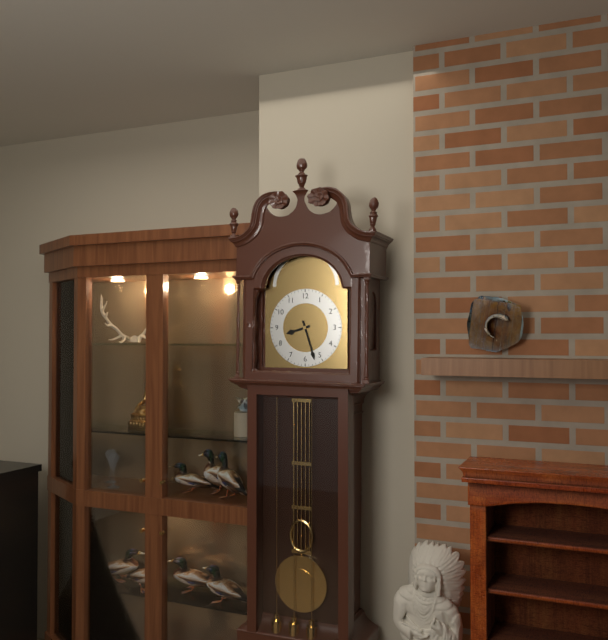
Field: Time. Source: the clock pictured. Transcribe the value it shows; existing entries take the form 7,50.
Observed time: 8,27
